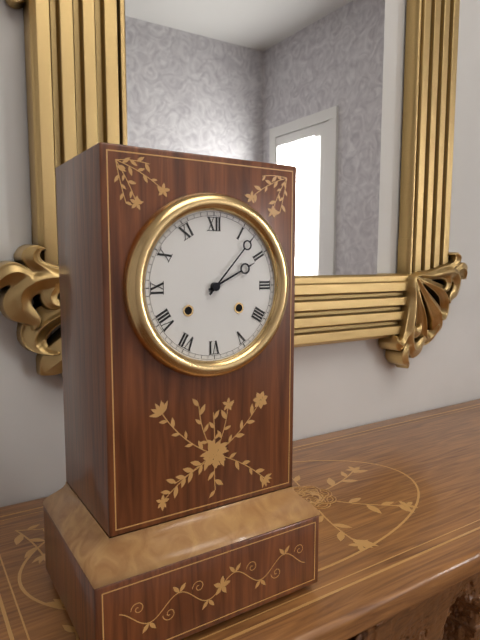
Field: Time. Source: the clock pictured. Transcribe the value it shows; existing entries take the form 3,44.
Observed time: 2,07
